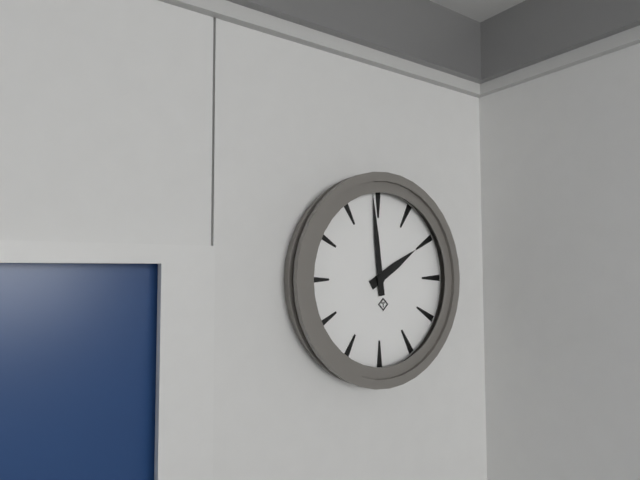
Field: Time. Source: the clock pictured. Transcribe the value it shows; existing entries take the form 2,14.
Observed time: 1,59
